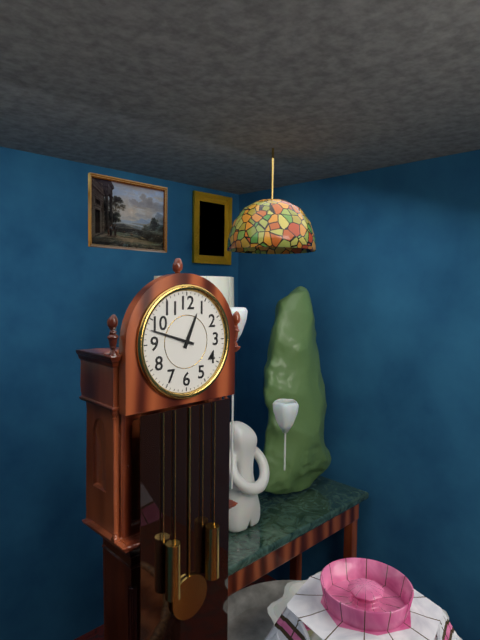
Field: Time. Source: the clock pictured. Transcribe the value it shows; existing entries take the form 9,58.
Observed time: 12,48
